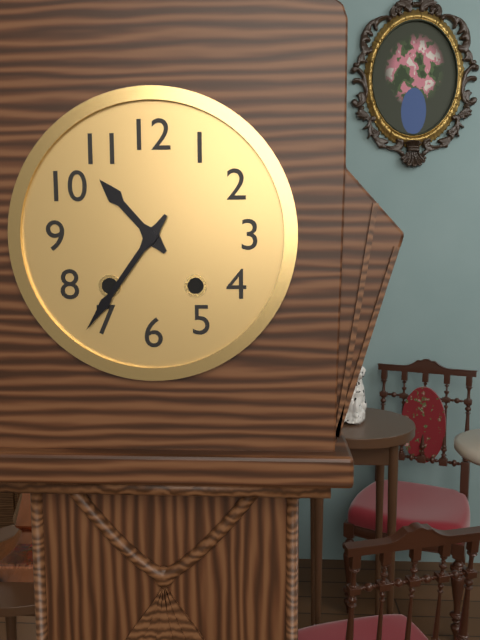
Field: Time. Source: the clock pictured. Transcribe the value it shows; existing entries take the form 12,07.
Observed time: 10,36
